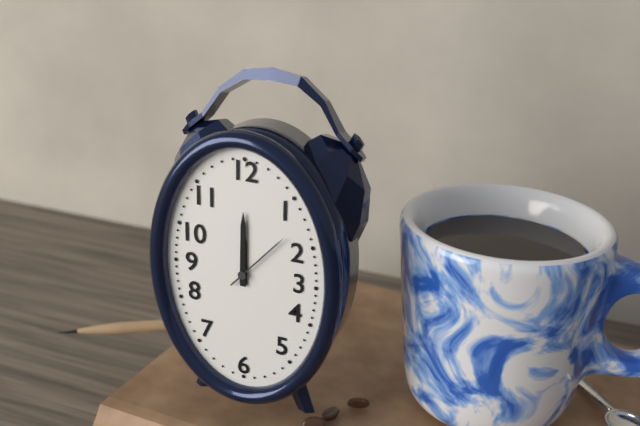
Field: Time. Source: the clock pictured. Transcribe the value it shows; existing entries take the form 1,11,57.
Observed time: 12,00,07
